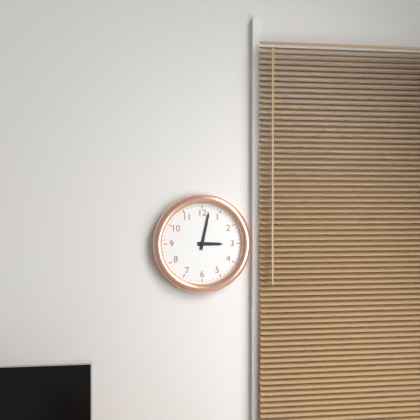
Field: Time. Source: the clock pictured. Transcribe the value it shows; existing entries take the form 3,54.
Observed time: 3,02
